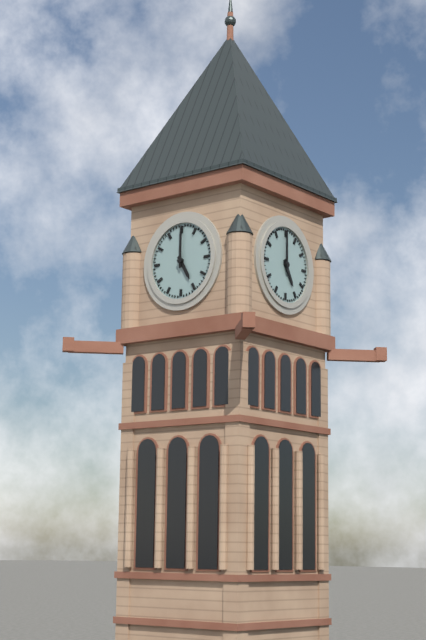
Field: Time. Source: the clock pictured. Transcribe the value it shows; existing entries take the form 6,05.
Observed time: 5,00
